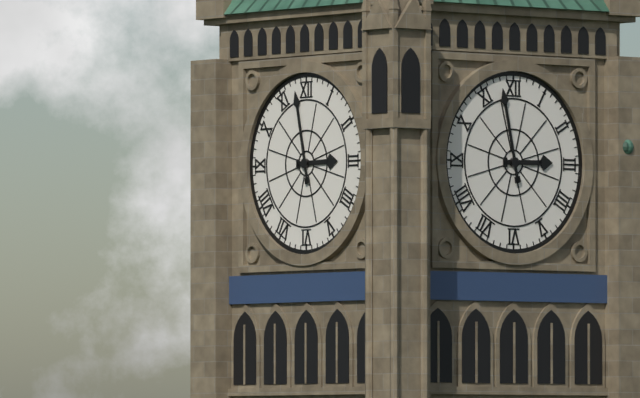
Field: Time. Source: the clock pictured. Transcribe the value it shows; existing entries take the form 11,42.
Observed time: 2,58
